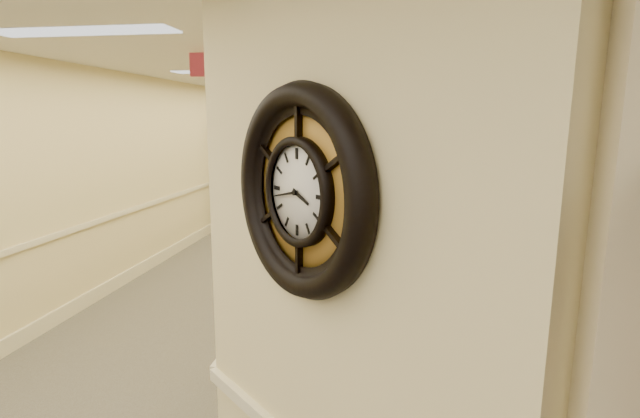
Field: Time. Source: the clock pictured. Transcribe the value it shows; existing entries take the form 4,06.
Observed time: 3,43
